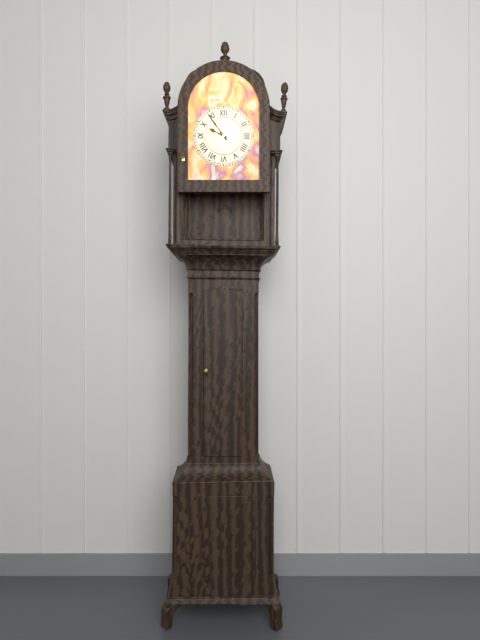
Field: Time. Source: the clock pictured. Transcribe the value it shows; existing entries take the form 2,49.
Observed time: 9,54
